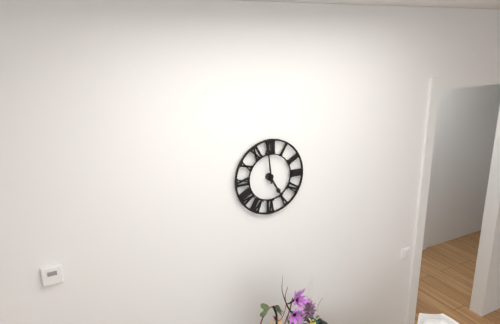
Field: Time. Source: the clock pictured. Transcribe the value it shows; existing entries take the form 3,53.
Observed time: 4,59
